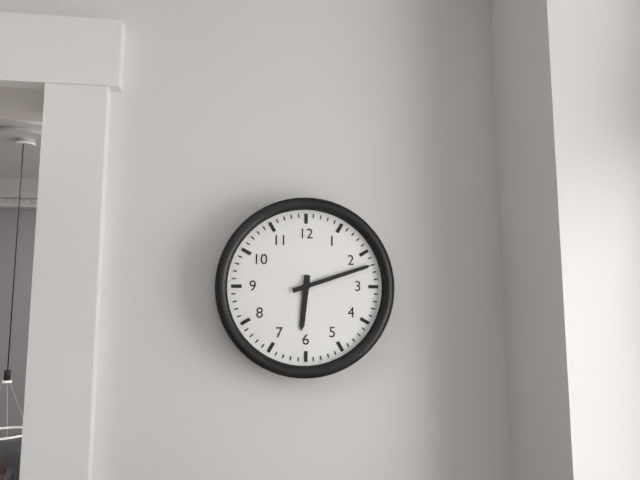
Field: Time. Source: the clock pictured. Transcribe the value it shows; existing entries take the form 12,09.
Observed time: 6,12
